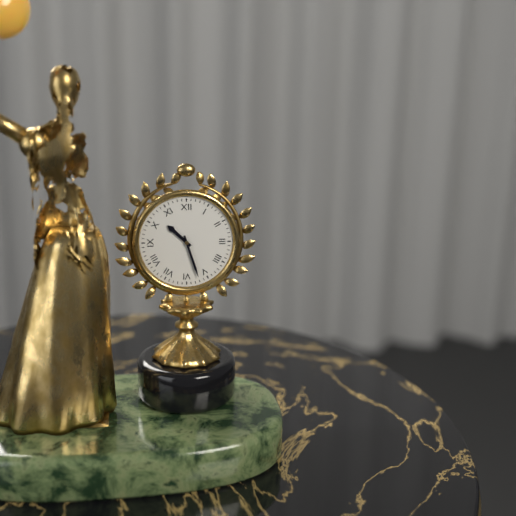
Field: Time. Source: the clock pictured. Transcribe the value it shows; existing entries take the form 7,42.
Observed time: 10,27
